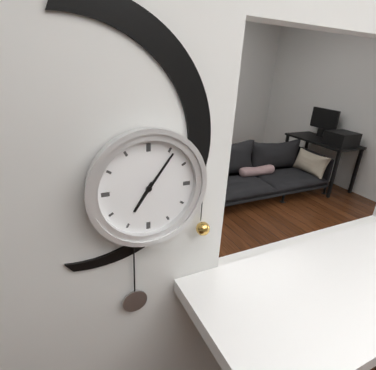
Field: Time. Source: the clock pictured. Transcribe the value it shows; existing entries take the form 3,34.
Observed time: 7,06
